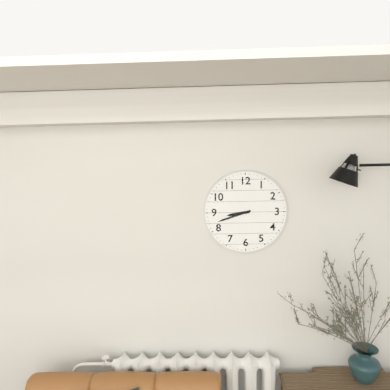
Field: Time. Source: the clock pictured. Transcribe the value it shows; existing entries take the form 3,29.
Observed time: 8,42
